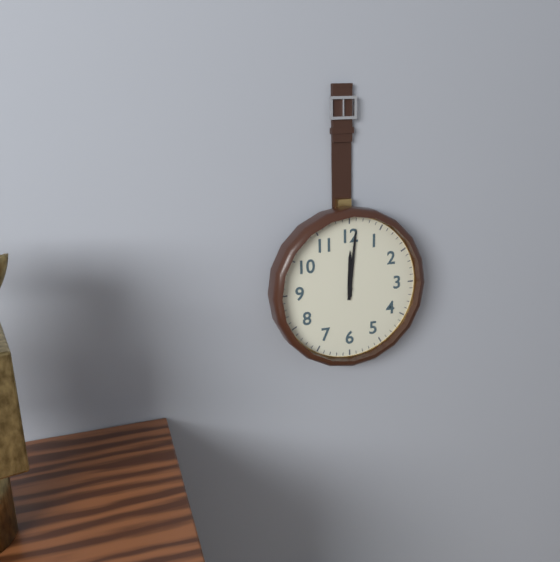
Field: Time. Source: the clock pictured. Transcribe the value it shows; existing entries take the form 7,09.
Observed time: 12,01
